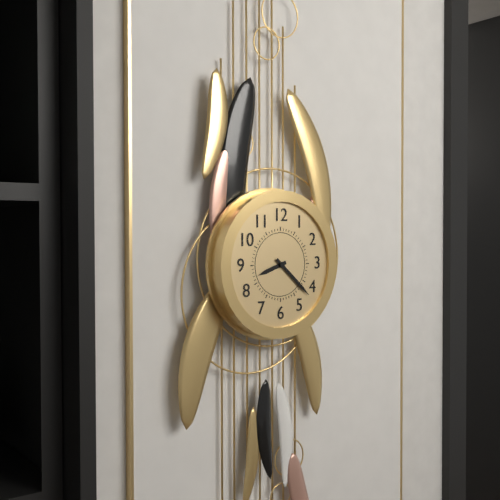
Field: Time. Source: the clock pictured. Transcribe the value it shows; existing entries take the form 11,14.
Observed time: 8,22
